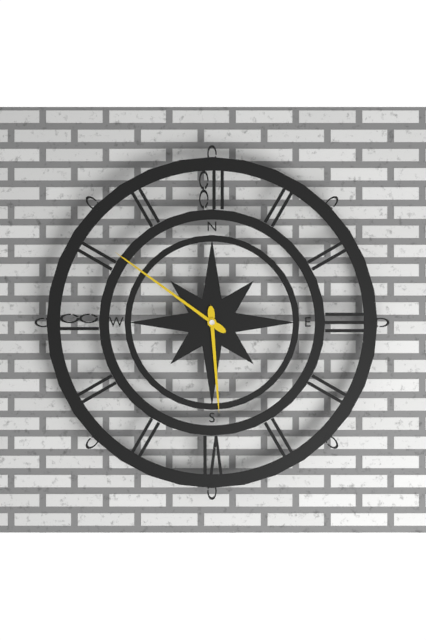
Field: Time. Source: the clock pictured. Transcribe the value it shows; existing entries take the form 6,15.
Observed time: 5,51
